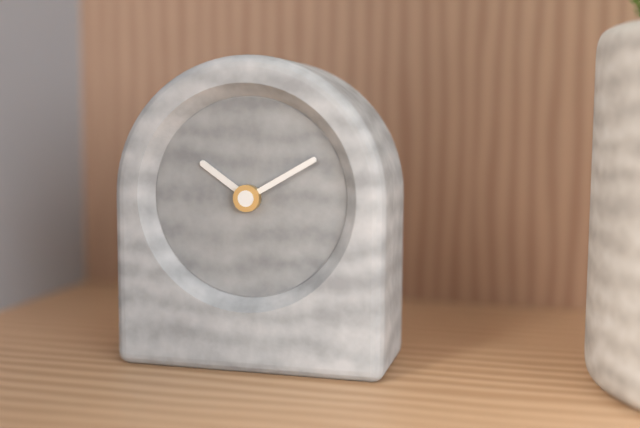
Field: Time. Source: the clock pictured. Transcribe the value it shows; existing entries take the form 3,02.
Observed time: 10,10
